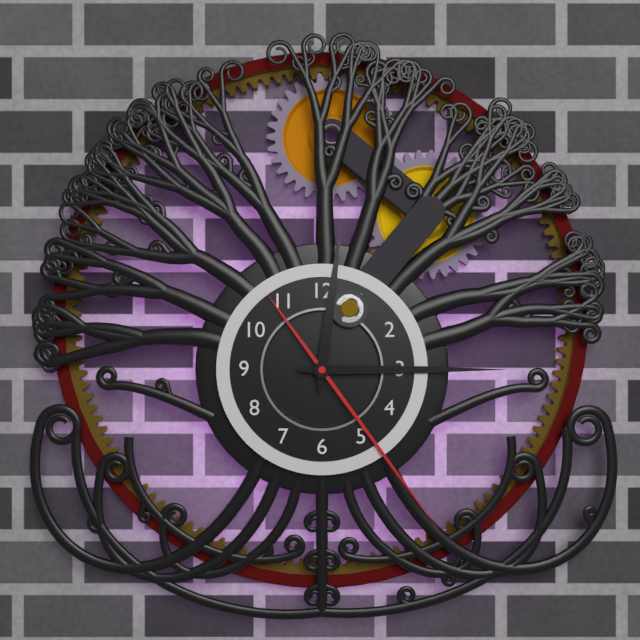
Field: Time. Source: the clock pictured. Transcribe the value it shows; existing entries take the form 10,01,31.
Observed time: 12,15,24
